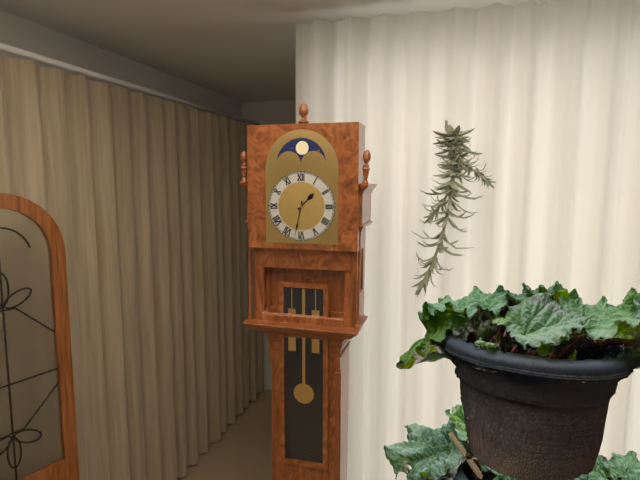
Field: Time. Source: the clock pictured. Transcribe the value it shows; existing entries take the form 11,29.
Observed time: 1,32
